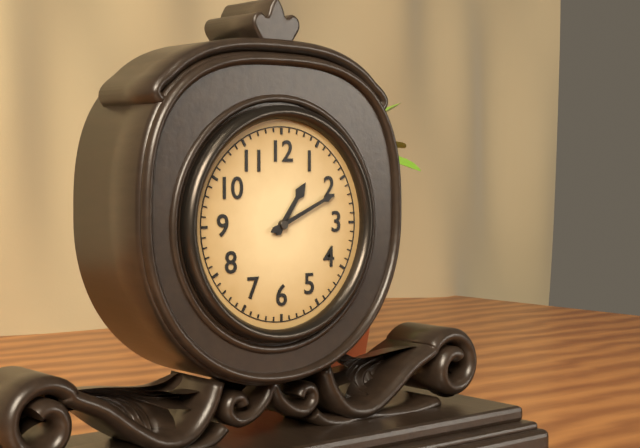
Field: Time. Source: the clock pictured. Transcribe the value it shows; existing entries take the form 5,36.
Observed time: 1,11
